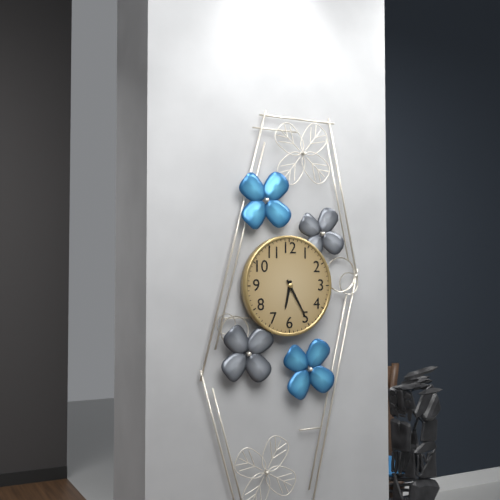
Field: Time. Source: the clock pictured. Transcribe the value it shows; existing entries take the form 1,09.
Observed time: 6,25
